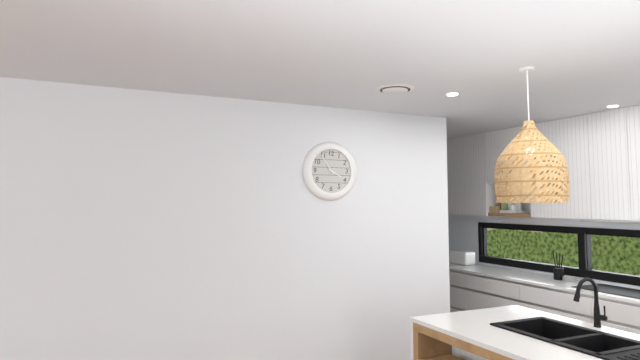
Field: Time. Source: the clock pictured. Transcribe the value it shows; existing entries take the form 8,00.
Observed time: 3,54
